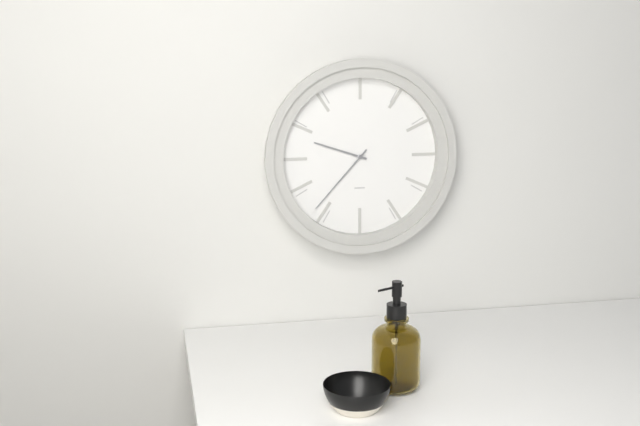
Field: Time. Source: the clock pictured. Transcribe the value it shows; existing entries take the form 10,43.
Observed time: 9,37
